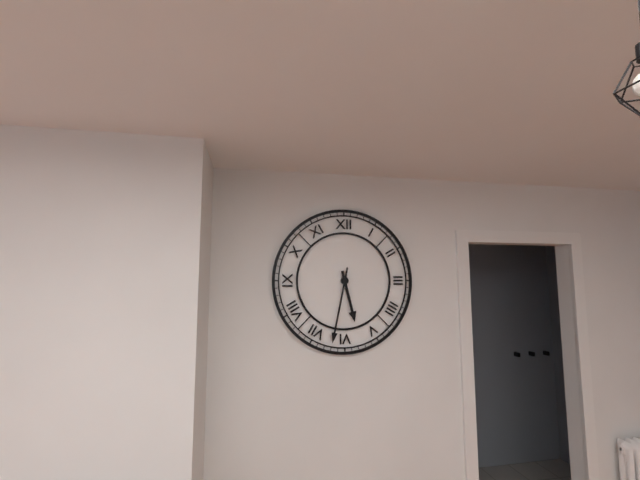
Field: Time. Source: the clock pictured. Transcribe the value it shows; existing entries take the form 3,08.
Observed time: 5,32
